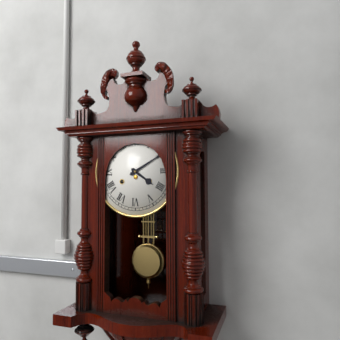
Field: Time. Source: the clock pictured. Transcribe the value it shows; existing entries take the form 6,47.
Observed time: 4,10
